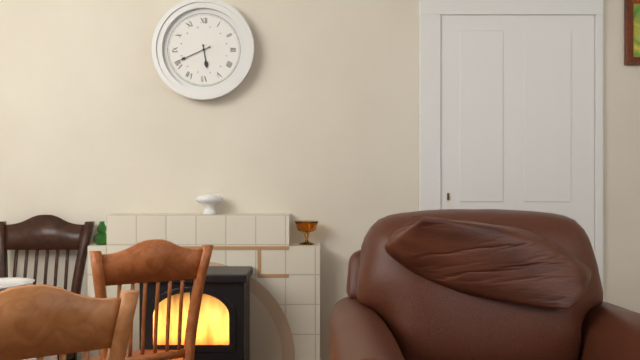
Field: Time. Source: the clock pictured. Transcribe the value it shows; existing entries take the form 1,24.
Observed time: 5,41
